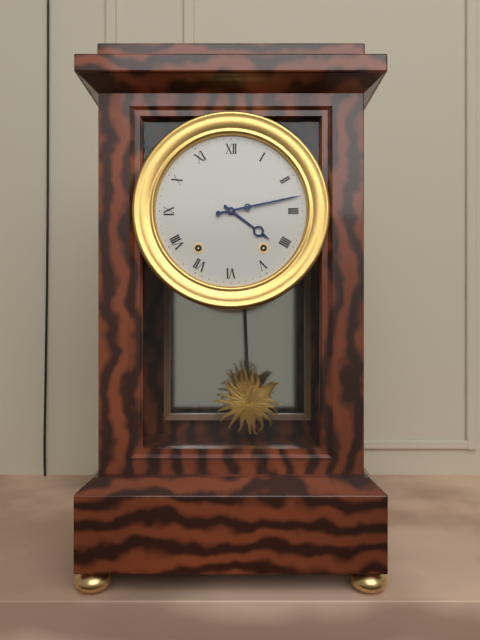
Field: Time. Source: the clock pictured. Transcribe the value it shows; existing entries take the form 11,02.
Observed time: 4,13
